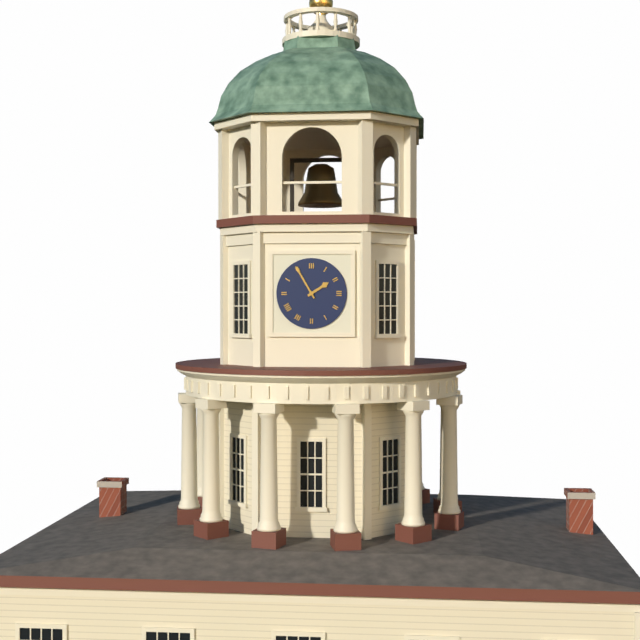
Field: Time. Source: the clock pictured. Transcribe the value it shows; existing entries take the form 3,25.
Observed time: 1,55
